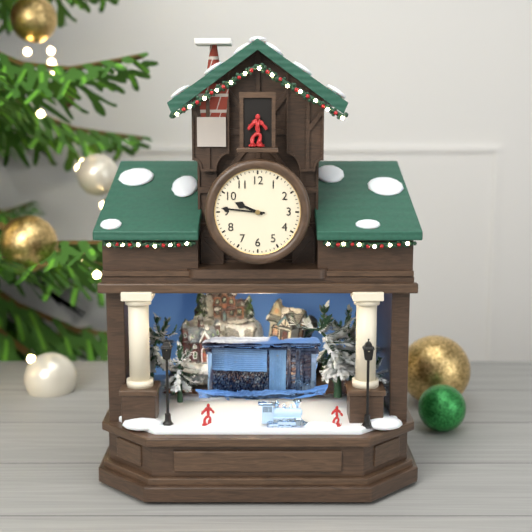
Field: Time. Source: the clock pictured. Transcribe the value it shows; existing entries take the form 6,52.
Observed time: 9,46
